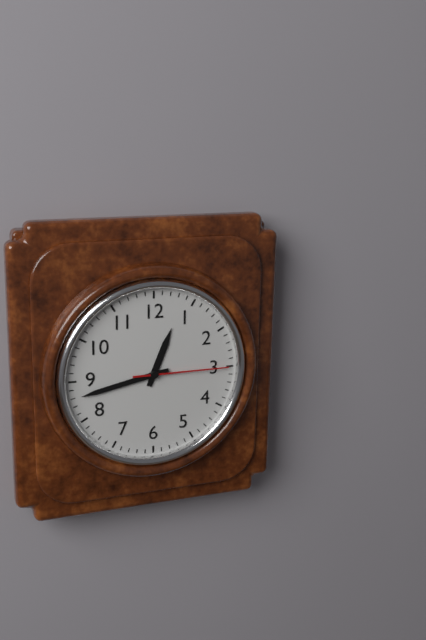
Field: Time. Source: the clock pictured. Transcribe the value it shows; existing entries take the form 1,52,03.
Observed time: 12,43,15
